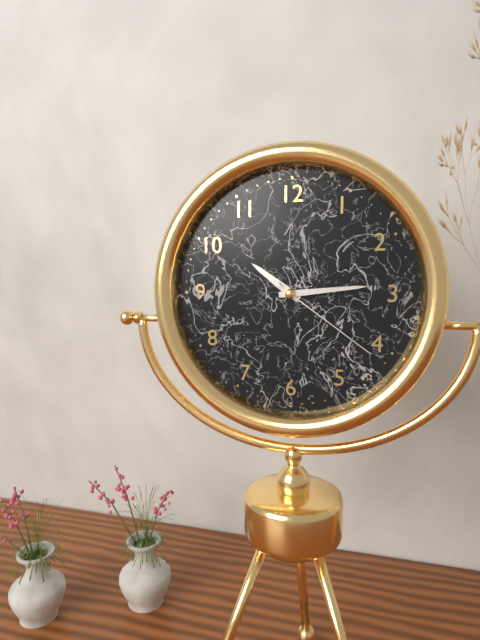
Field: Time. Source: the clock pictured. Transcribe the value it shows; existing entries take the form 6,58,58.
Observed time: 10,14,21
